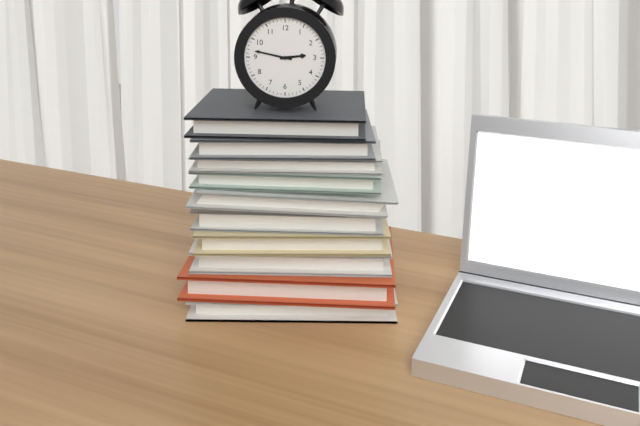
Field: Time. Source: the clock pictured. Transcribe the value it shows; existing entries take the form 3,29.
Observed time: 2,47
